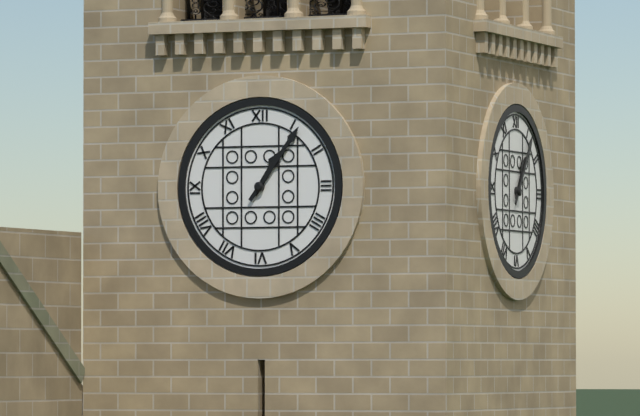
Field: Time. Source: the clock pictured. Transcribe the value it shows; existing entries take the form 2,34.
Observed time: 1,06
